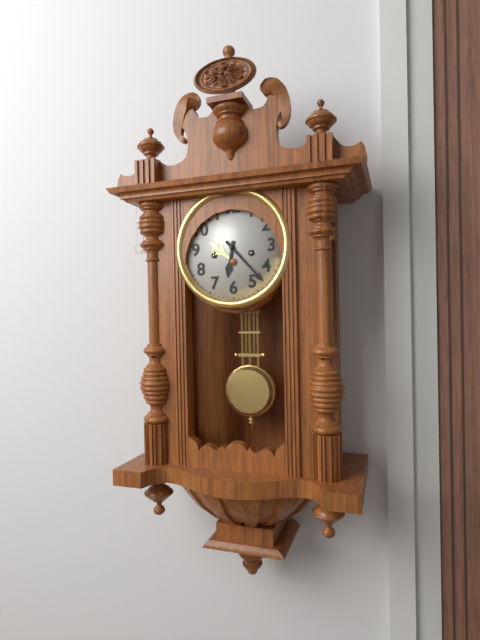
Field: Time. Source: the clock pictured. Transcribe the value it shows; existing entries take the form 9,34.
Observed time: 6,23
